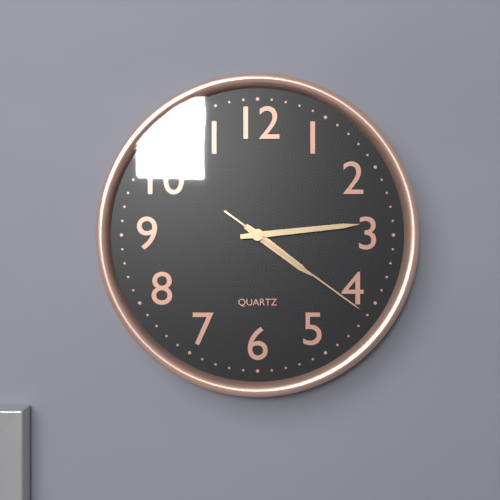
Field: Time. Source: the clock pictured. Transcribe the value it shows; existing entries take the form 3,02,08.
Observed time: 4,14,21
